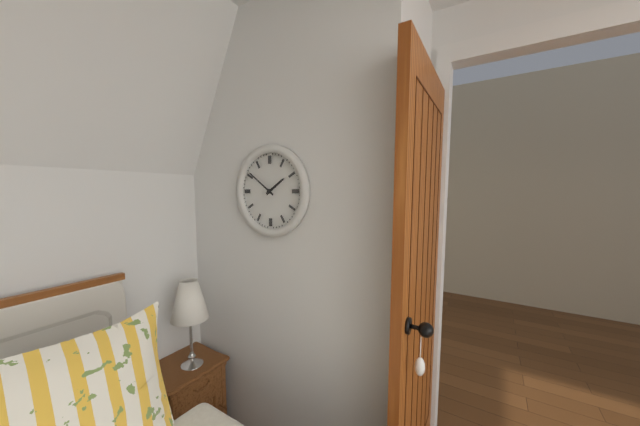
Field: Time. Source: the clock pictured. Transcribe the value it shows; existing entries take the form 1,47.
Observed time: 1,51
